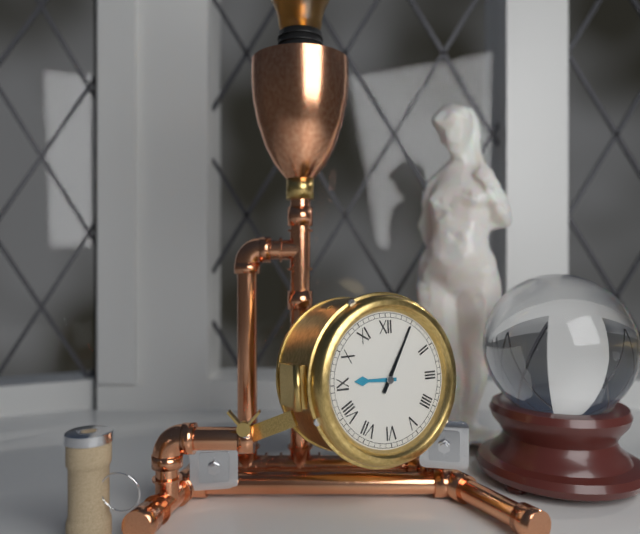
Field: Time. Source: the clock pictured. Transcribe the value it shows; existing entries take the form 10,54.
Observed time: 9,05
